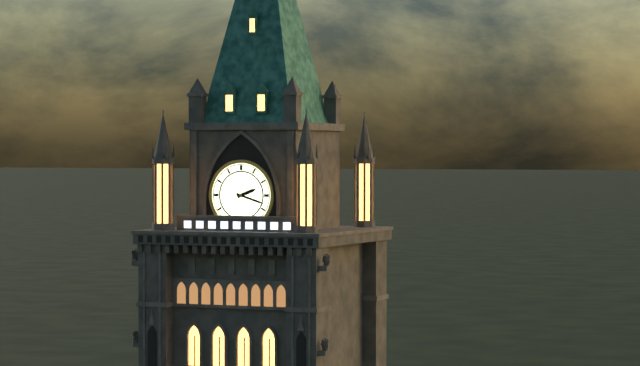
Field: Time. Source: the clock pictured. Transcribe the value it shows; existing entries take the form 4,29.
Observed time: 2,18
